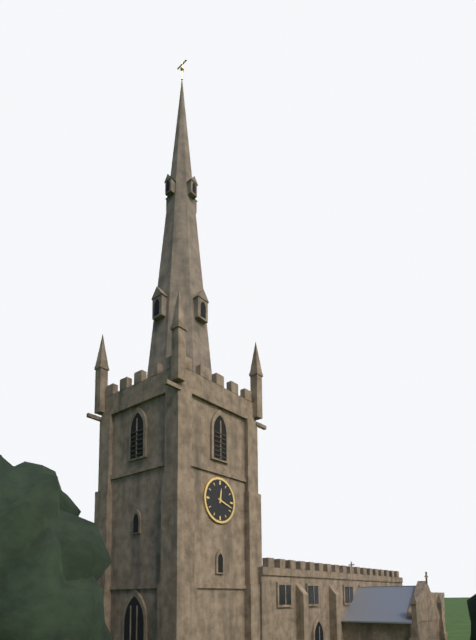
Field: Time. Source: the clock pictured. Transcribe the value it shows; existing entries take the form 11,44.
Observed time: 12,18
